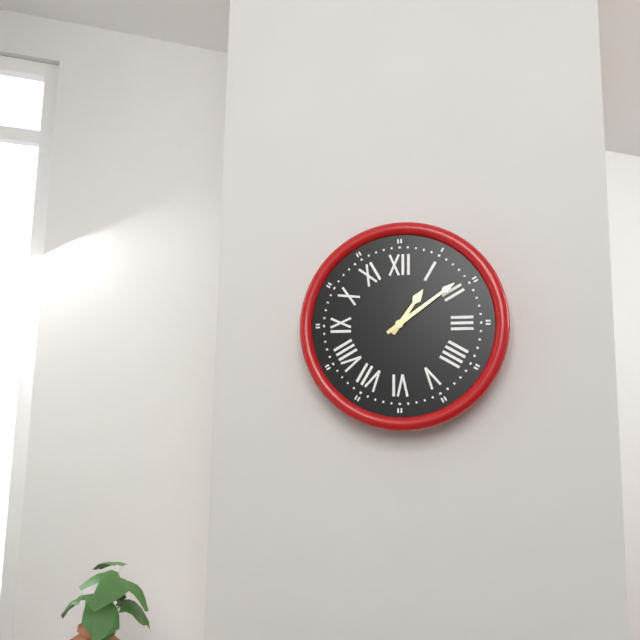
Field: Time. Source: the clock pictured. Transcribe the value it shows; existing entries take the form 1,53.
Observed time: 1,09
